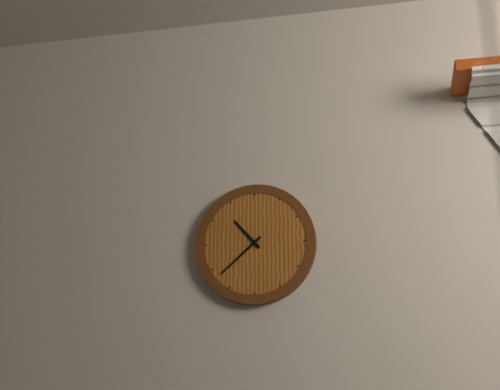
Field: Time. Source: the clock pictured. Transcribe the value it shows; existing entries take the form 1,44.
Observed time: 10,38
